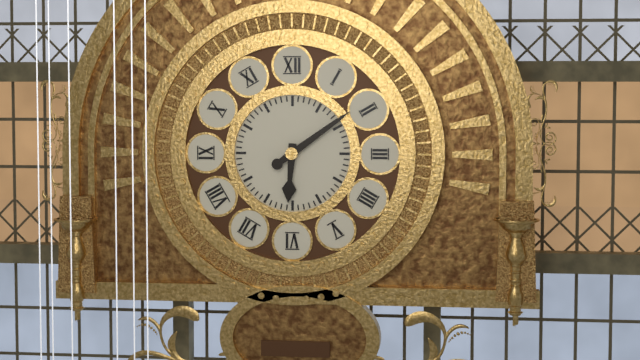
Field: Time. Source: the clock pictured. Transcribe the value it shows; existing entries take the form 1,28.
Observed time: 6,09
